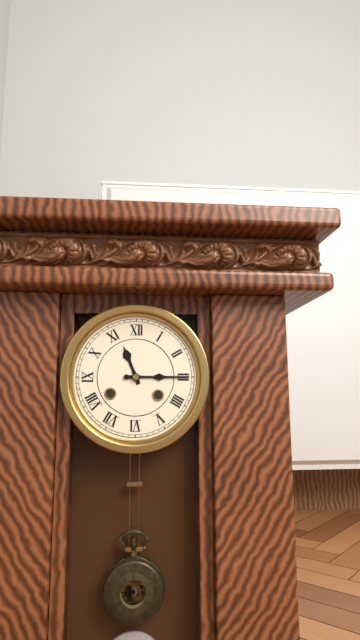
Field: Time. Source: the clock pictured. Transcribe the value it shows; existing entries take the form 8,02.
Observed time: 11,15
